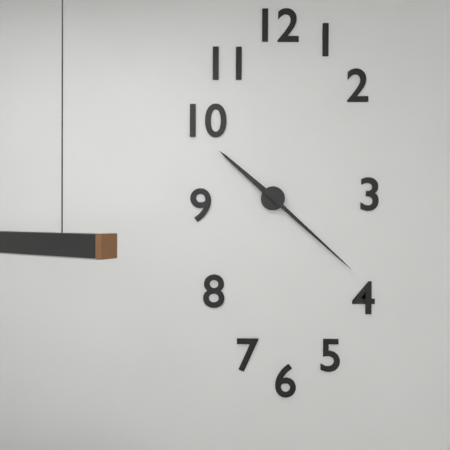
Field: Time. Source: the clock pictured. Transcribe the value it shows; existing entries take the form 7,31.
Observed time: 10,22
